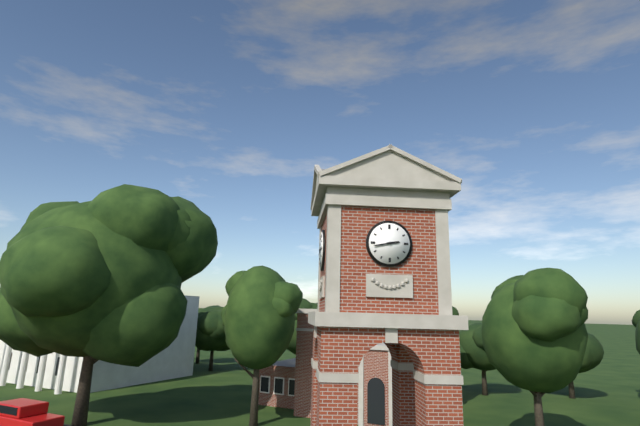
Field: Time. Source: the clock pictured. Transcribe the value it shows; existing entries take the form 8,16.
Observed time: 2,43
